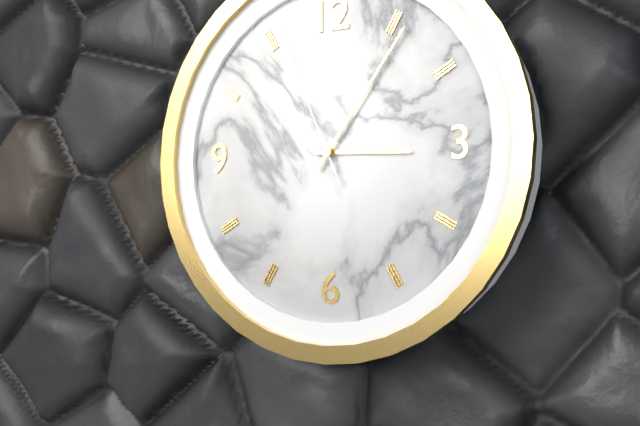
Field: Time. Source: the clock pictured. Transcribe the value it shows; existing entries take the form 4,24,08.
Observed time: 3,06,56
